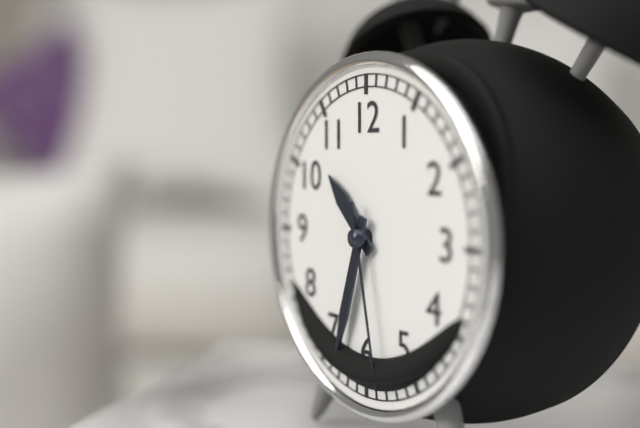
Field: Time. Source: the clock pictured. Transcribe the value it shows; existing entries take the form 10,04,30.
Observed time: 10,33,28
